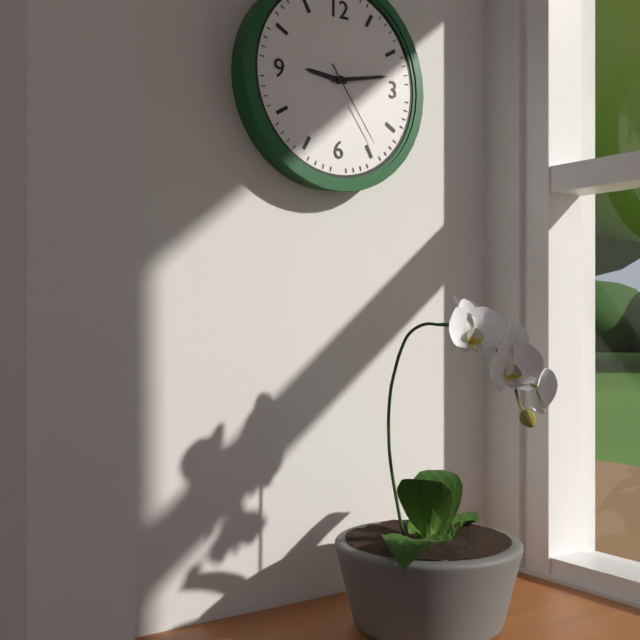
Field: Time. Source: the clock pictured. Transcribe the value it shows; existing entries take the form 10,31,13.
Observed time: 9,13,24
